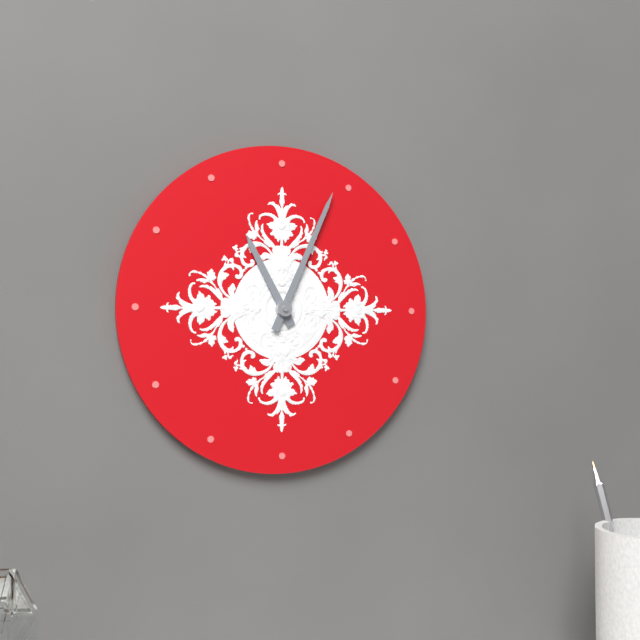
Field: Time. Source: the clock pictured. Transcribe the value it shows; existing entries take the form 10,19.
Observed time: 11,04
